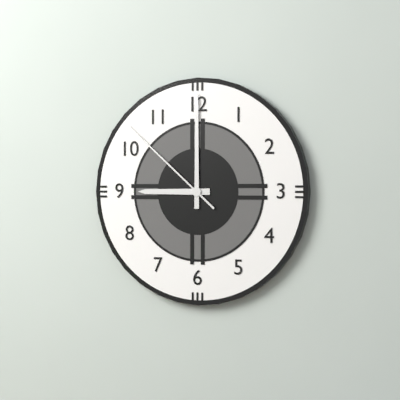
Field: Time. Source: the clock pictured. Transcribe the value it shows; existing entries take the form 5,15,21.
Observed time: 9,00,52
